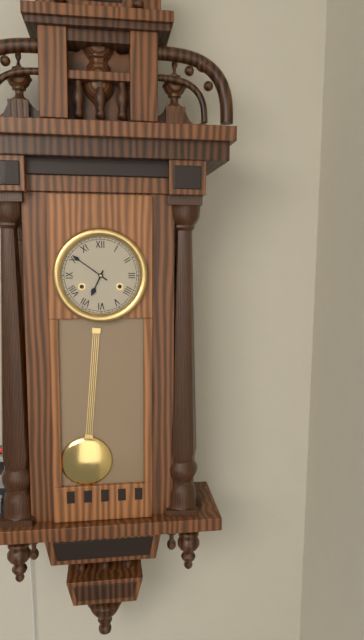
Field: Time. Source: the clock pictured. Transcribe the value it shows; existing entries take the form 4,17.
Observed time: 6,51
